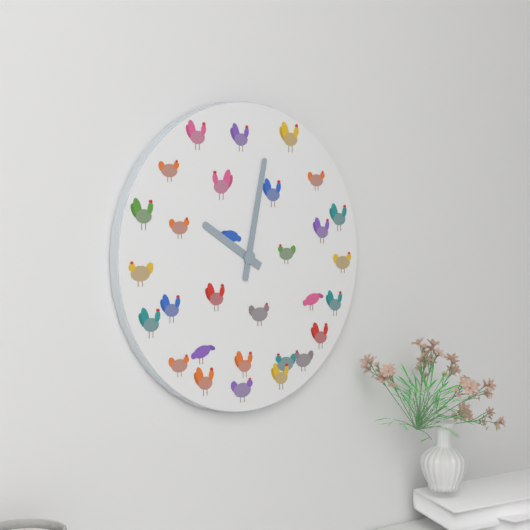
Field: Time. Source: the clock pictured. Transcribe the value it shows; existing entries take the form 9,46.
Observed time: 10,02
